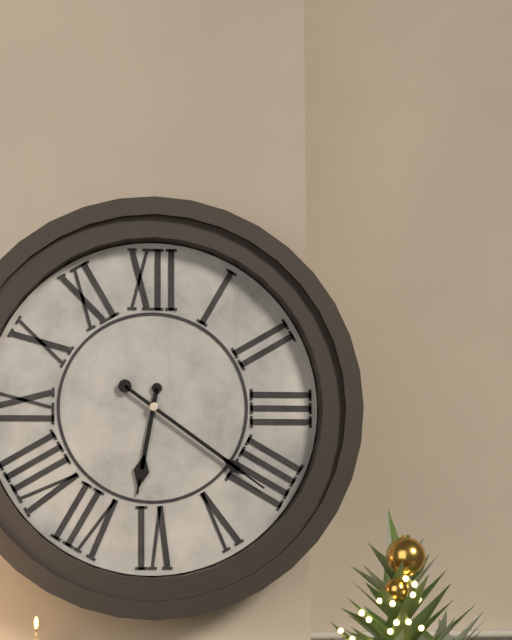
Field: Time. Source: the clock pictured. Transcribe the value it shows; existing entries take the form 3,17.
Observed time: 6,21
